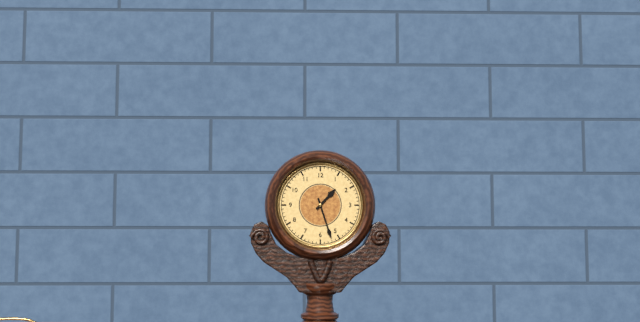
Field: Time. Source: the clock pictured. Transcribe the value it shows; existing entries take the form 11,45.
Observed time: 1,27
